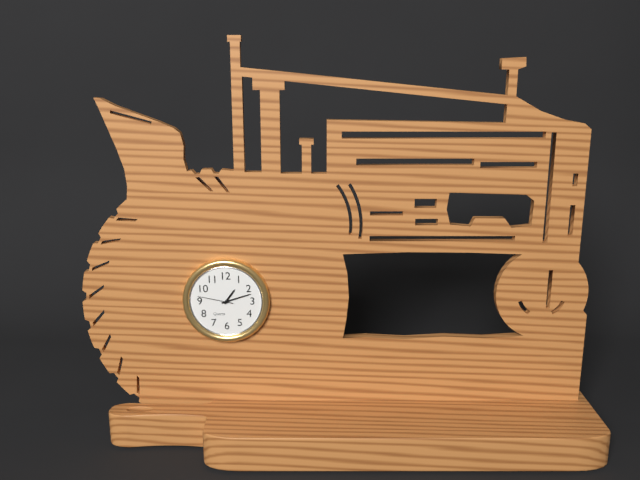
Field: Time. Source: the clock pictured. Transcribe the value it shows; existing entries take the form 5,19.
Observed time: 1,12
